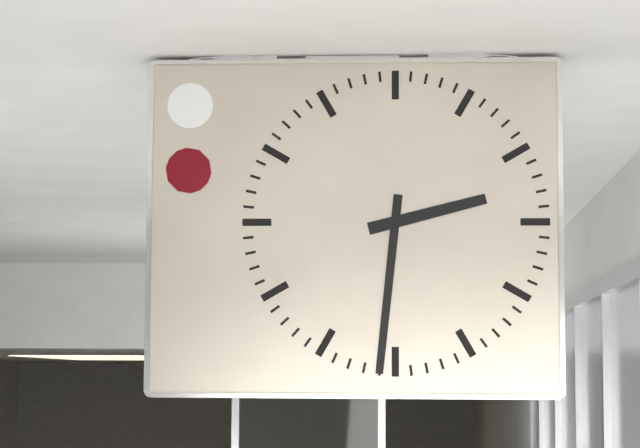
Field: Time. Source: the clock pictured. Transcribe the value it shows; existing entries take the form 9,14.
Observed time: 2,31
